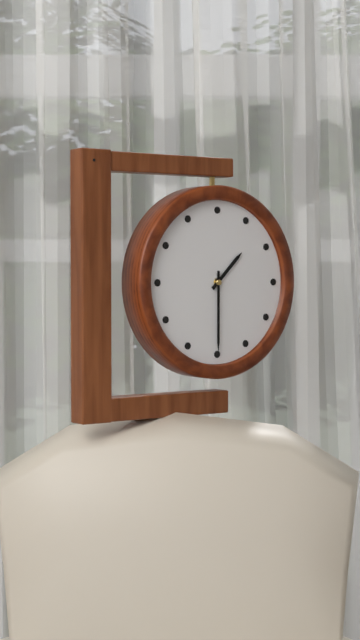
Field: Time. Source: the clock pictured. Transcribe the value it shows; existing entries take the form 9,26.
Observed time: 1,30
